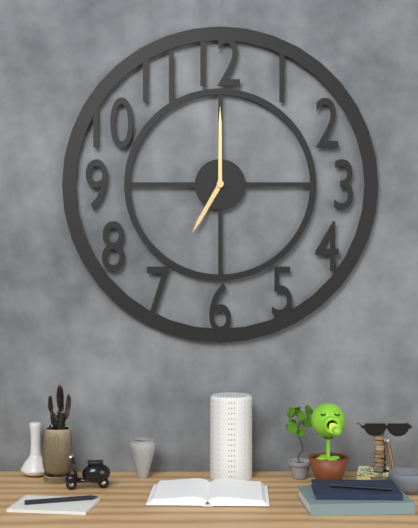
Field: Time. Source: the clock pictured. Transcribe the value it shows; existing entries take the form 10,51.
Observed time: 7,00
